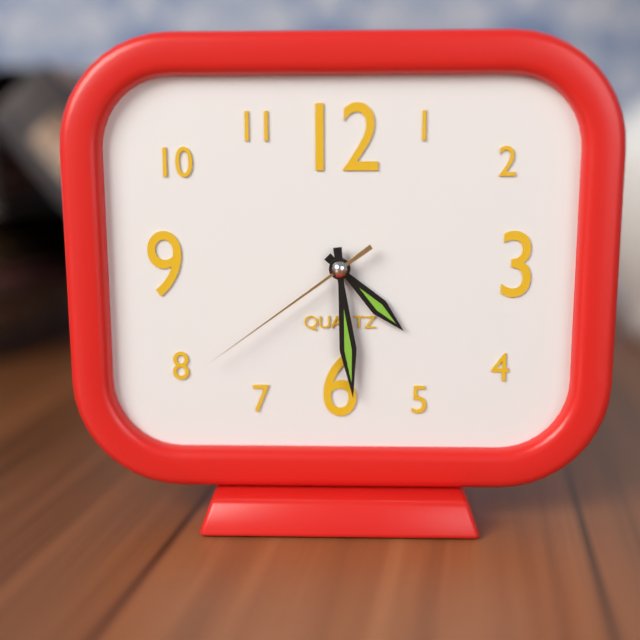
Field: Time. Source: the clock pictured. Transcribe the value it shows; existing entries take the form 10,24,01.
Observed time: 4,29,39
